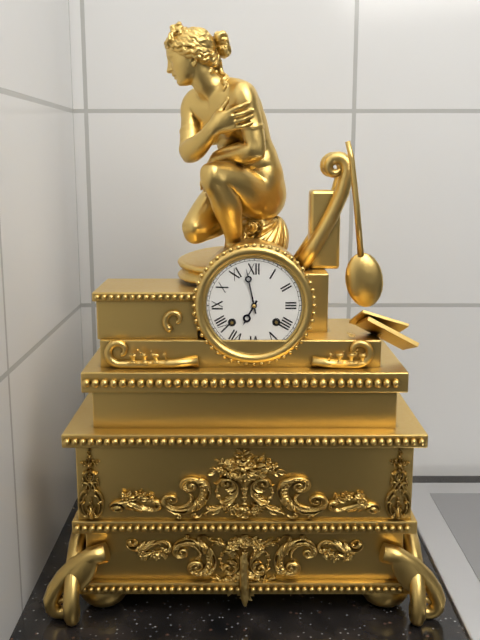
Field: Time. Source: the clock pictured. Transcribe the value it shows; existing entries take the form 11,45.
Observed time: 6,58
